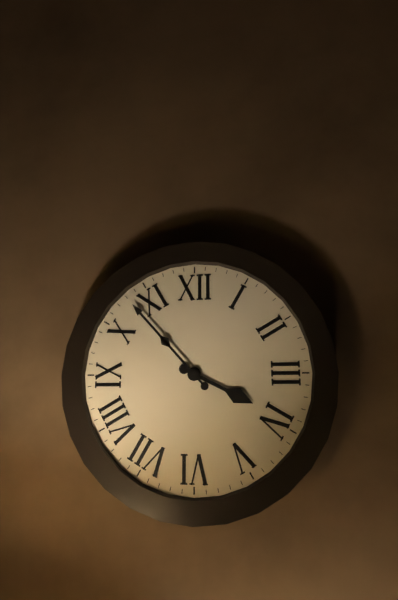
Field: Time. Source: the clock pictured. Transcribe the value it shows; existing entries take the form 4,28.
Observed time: 3,53
